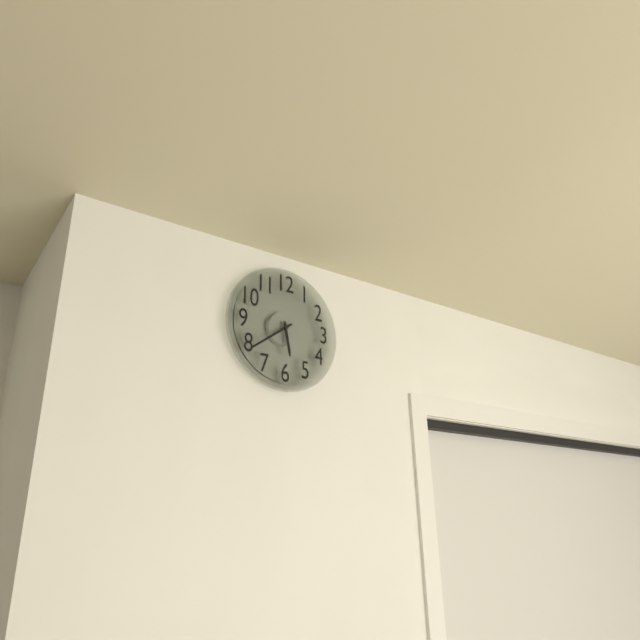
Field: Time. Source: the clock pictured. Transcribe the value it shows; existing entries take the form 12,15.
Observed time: 5,39
